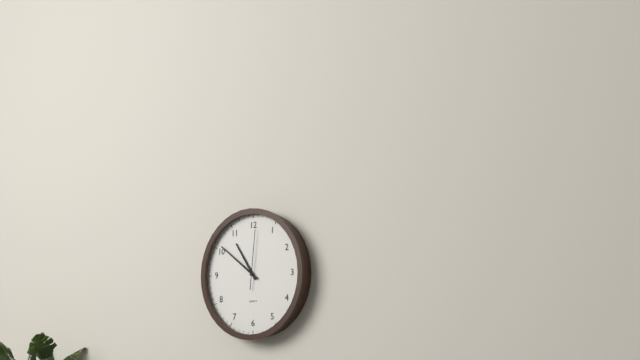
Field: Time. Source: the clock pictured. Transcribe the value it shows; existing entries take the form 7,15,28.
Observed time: 10,51,01
